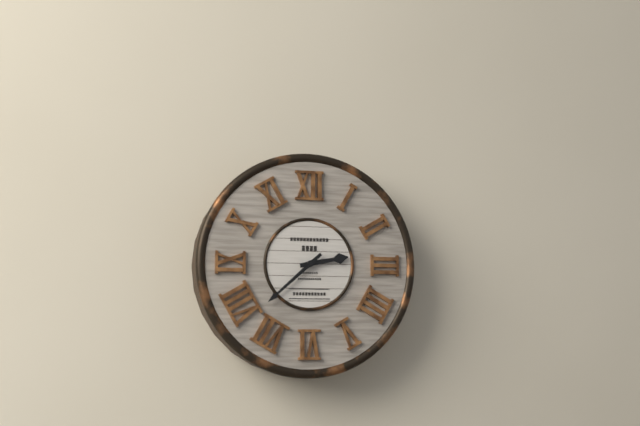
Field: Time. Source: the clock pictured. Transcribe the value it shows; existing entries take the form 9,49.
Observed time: 2,38
